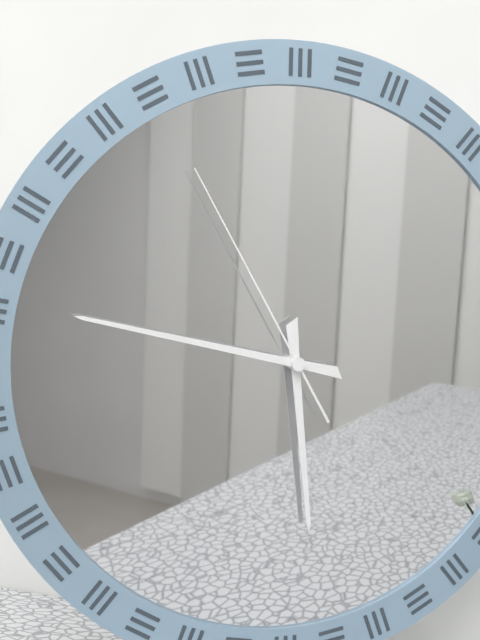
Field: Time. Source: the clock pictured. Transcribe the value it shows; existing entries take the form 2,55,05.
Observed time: 5,47,55
